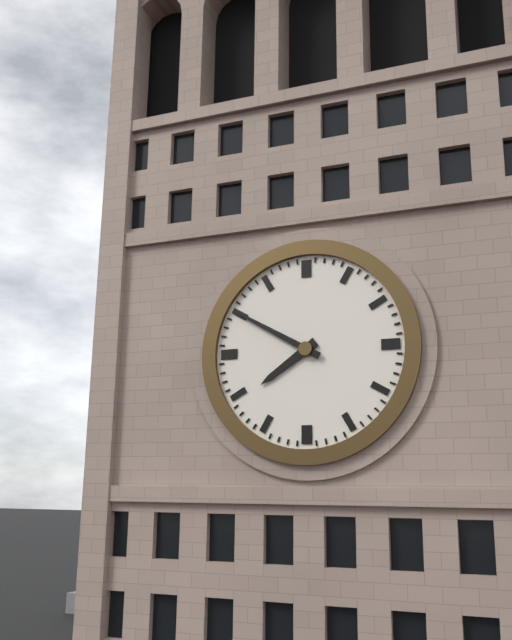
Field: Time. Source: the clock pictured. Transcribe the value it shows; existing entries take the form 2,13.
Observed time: 7,50
